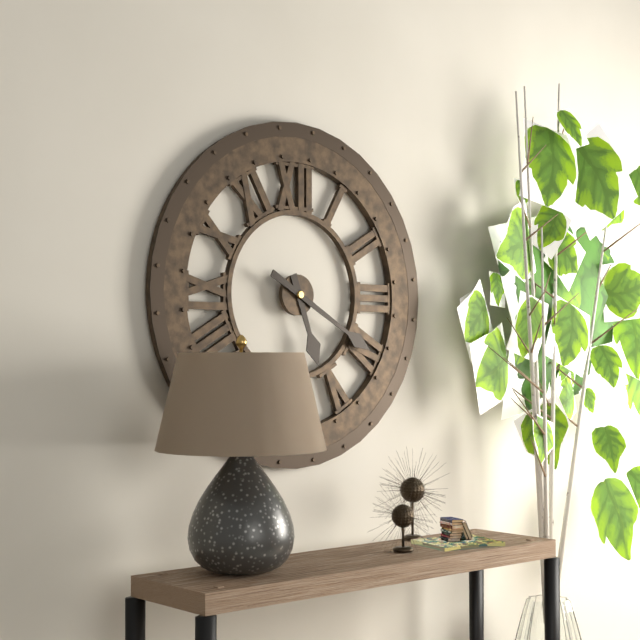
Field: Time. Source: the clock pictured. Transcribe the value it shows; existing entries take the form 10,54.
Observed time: 5,20
